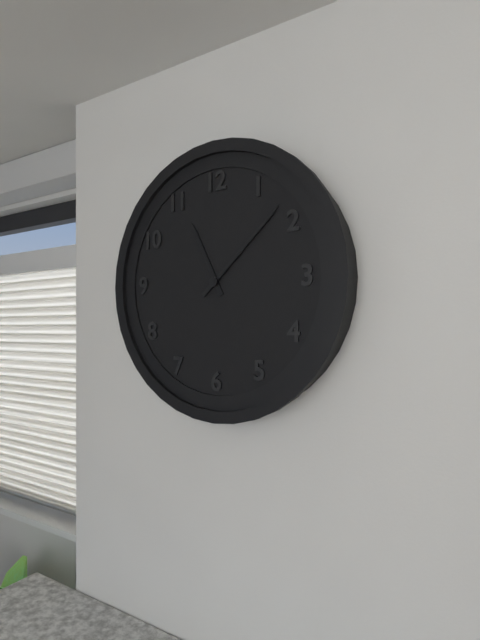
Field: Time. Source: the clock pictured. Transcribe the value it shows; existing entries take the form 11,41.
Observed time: 11,08
